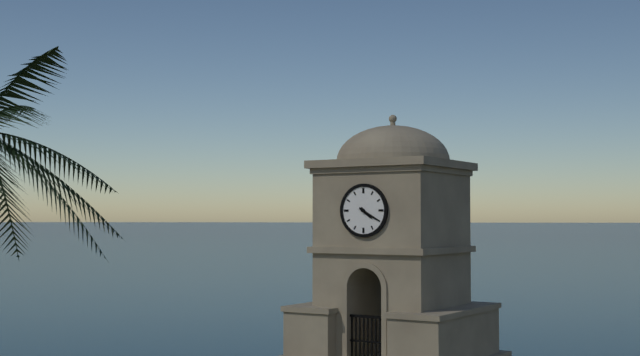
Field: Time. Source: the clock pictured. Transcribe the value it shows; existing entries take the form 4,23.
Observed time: 4,20
